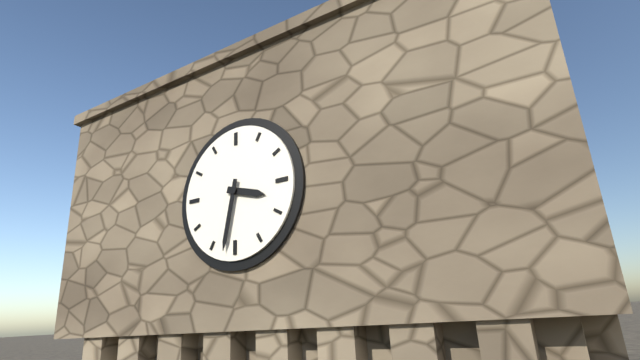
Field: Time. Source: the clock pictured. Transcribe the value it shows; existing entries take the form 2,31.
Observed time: 3,32
